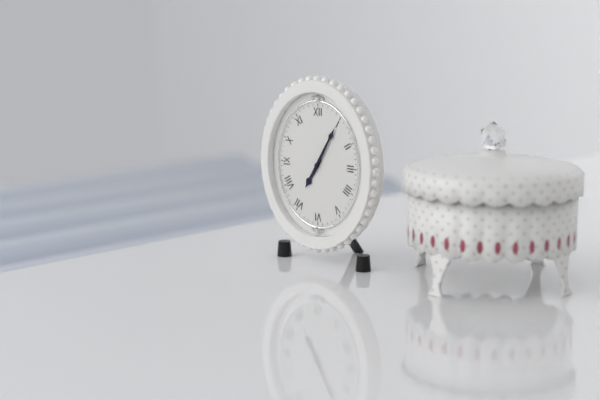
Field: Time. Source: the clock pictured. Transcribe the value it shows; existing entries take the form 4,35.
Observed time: 7,05
